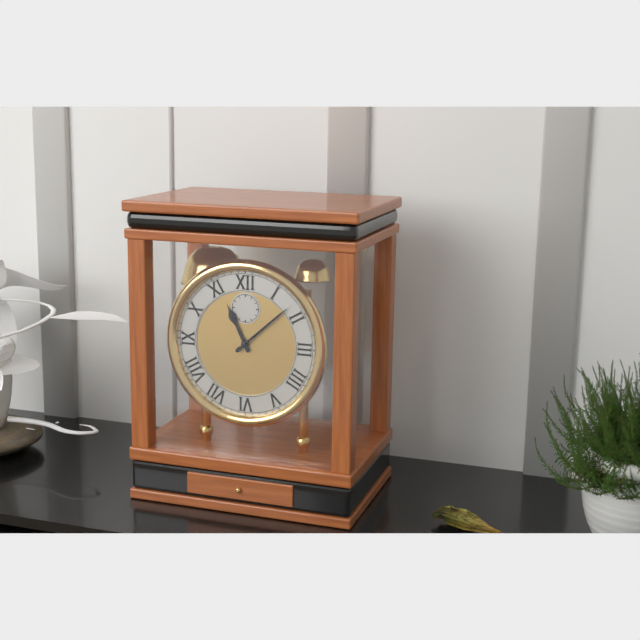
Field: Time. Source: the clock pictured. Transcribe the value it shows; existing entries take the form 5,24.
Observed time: 11,08
